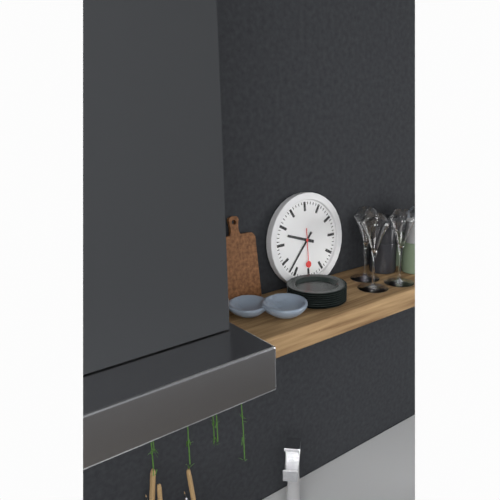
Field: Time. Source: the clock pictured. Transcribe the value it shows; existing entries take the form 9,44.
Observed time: 9,37
